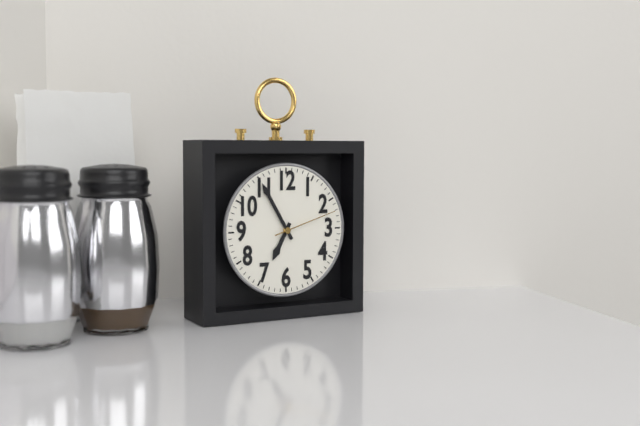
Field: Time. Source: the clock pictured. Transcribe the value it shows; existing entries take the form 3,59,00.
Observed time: 6,55,12
